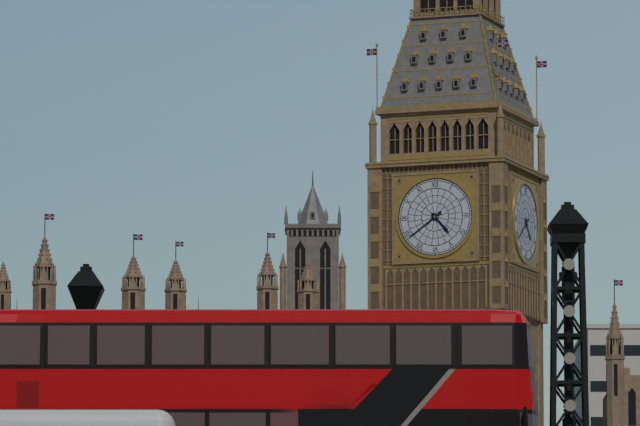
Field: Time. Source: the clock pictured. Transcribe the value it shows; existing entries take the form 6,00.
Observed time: 4,39
